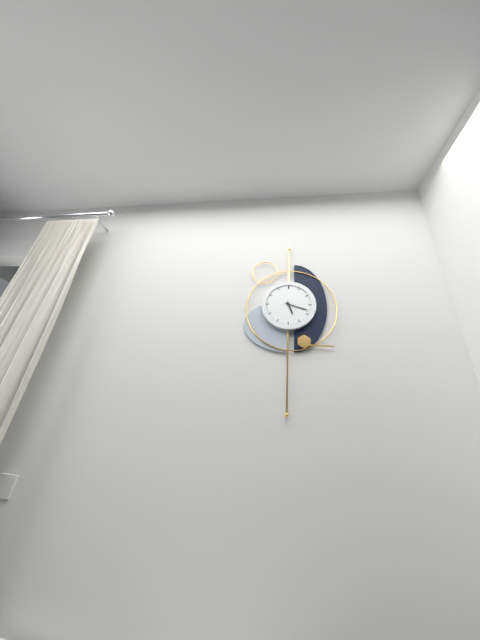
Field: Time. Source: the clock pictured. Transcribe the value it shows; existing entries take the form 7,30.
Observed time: 5,18
